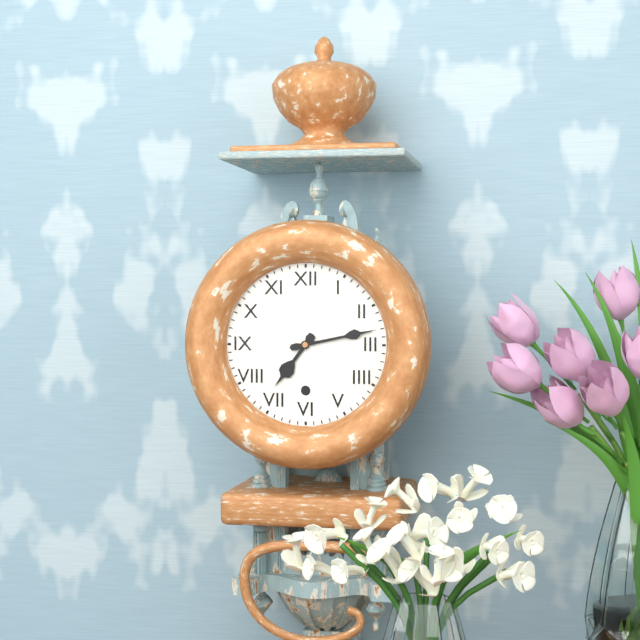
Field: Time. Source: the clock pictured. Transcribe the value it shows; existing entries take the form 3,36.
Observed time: 7,13
